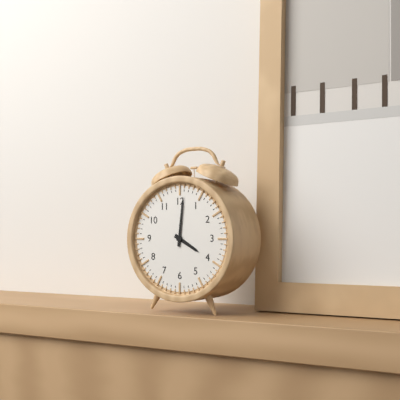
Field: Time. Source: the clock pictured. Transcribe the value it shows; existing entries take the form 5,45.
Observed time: 4,01
